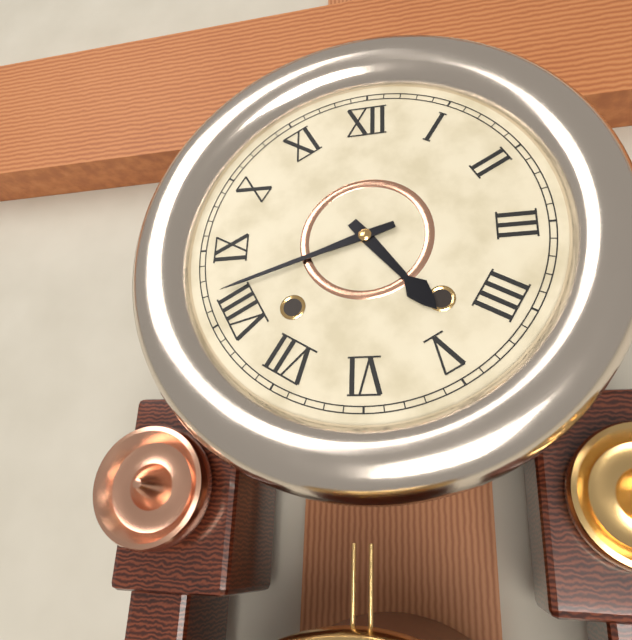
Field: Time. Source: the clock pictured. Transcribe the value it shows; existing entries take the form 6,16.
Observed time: 4,42
